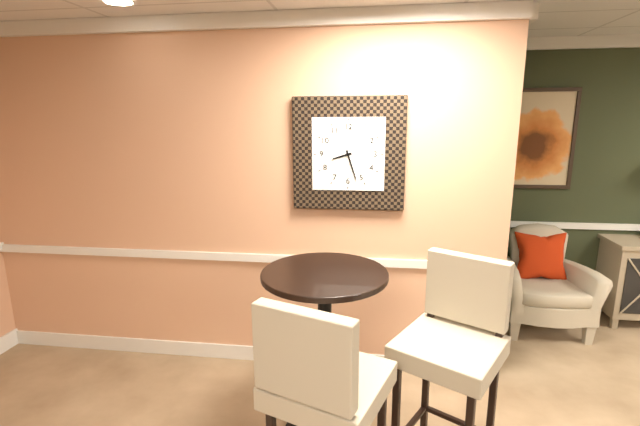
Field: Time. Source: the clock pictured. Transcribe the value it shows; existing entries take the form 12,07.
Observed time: 8,27
